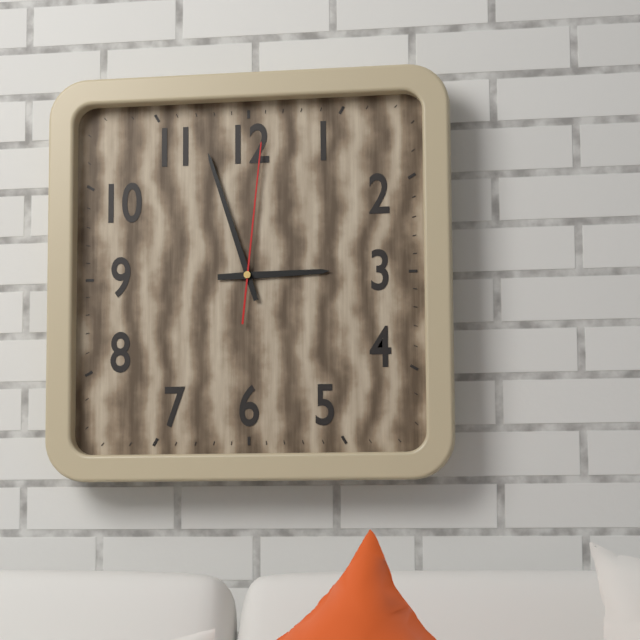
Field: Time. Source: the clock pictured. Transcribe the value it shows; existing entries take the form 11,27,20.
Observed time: 2,57,01
